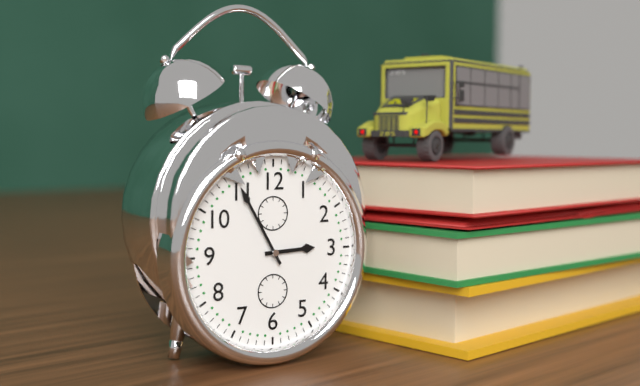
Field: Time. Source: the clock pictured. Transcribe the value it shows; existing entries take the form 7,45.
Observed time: 2,55
